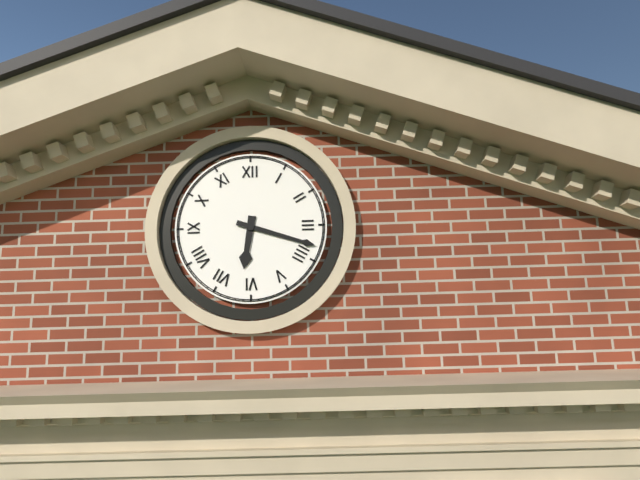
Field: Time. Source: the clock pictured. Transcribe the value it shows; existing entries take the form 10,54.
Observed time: 6,18
